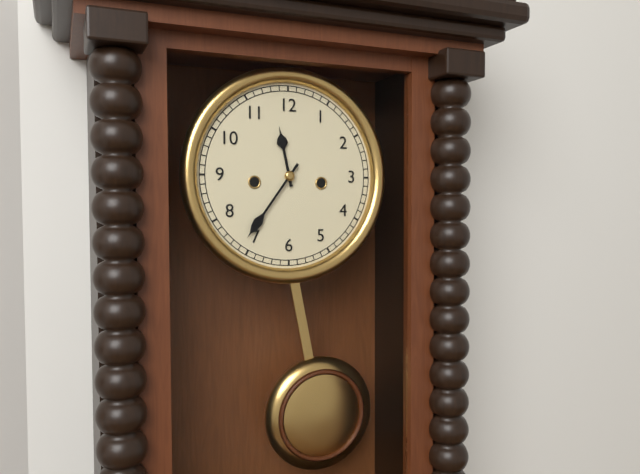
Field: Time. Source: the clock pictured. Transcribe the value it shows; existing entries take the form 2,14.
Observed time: 11,36
